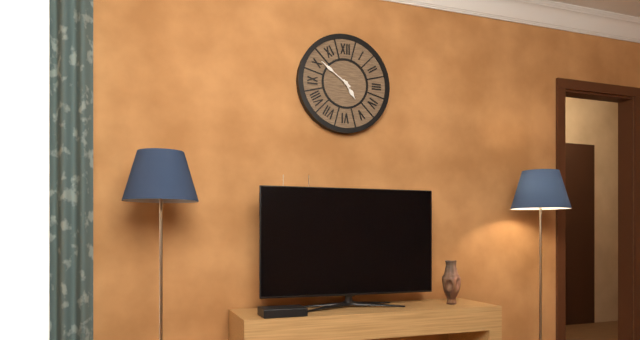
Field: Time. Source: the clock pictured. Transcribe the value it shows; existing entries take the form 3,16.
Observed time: 4,51
